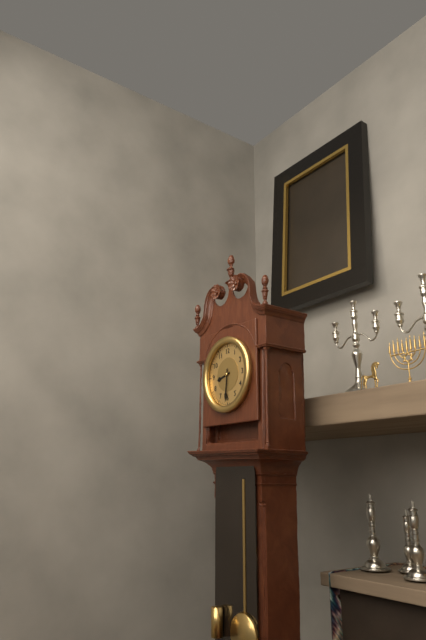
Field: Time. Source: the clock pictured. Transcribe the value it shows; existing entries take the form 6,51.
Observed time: 8,31
